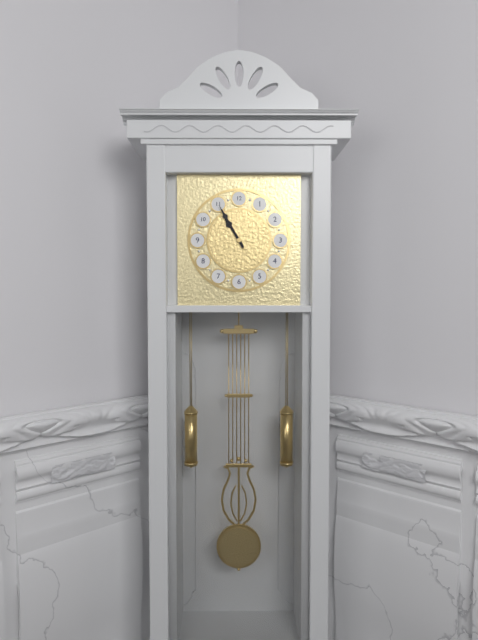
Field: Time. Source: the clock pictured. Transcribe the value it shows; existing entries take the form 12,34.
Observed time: 10,55
